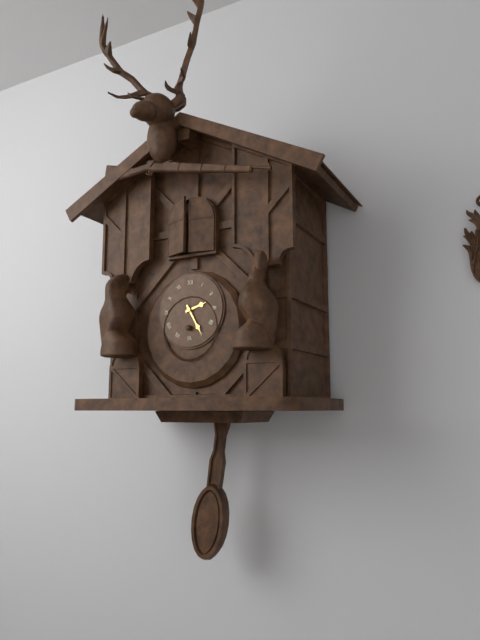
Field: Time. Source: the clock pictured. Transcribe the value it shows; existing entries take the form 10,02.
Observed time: 2,25
